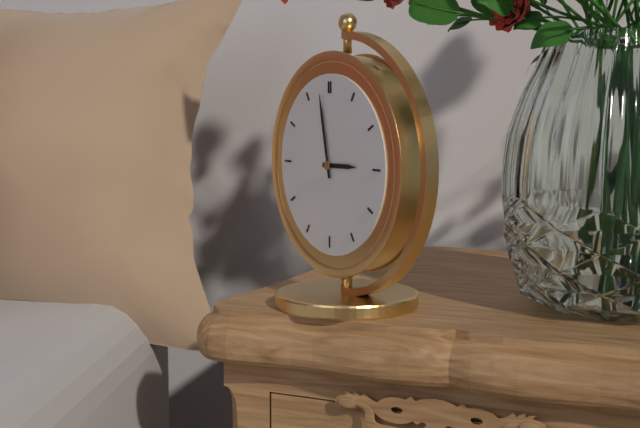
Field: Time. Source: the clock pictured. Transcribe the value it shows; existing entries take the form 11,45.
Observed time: 2,58
